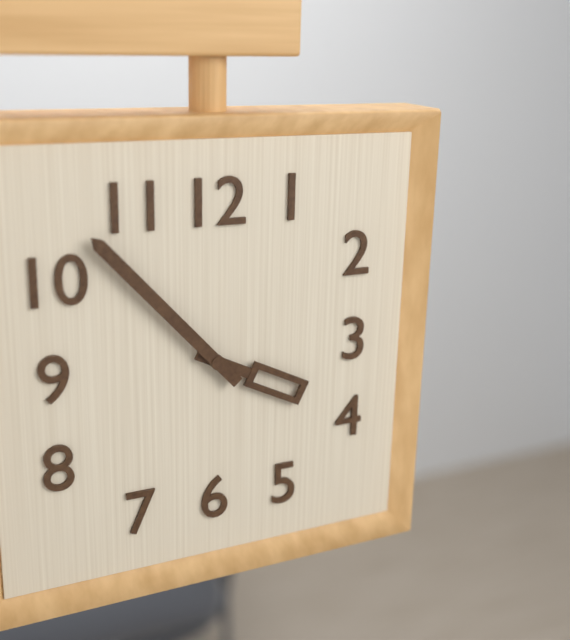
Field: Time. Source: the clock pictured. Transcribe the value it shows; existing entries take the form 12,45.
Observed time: 3,53
